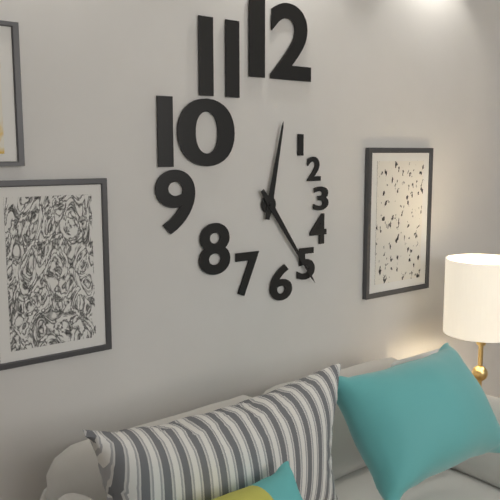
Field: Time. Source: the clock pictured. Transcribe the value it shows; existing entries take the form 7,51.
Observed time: 12,24
